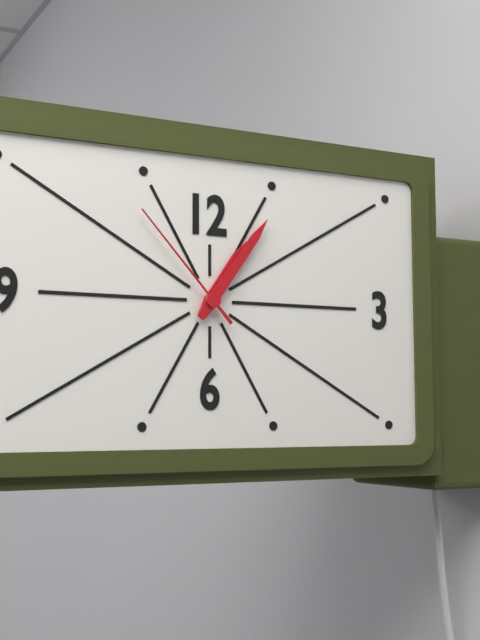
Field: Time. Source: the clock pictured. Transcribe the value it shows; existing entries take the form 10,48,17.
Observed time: 1,06,53
